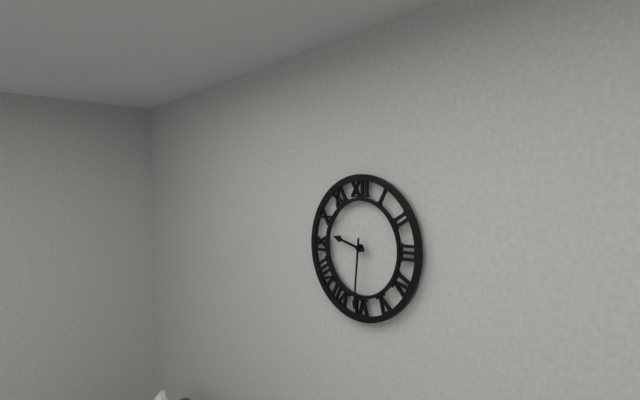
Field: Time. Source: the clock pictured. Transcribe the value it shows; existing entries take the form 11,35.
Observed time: 9,31
